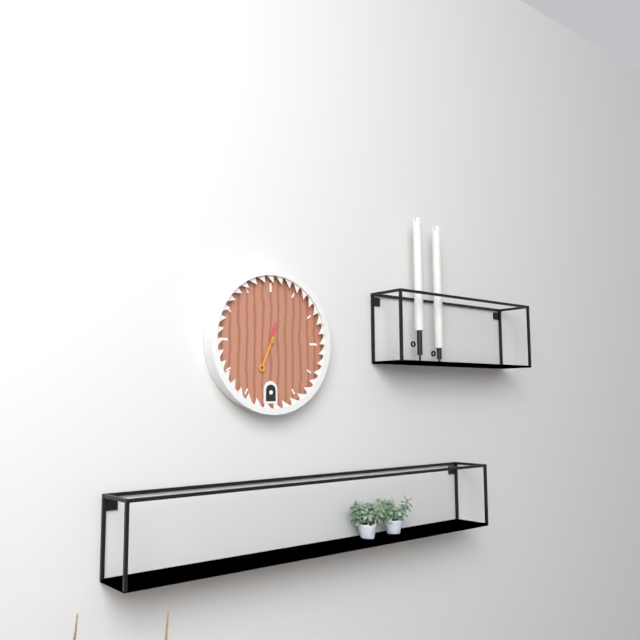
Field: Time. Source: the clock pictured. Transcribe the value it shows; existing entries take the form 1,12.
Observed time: 12,34
